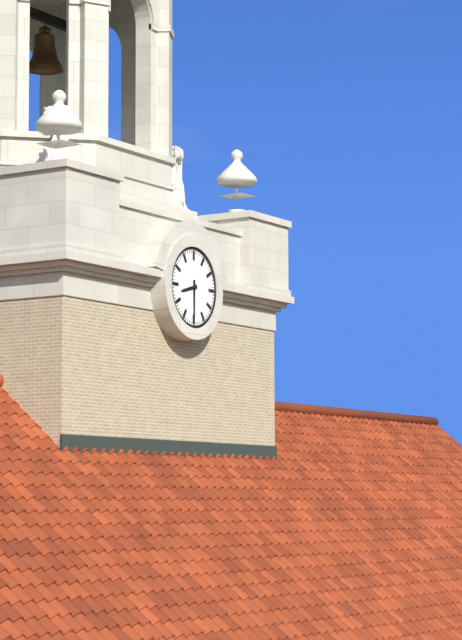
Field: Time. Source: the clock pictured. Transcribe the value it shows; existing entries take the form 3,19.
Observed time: 8,30
